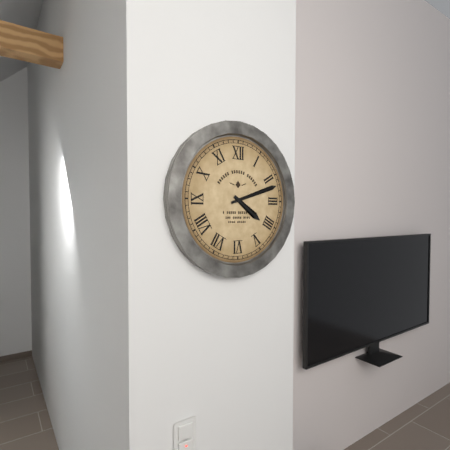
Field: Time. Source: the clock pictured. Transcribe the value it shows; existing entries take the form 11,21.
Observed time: 4,12
